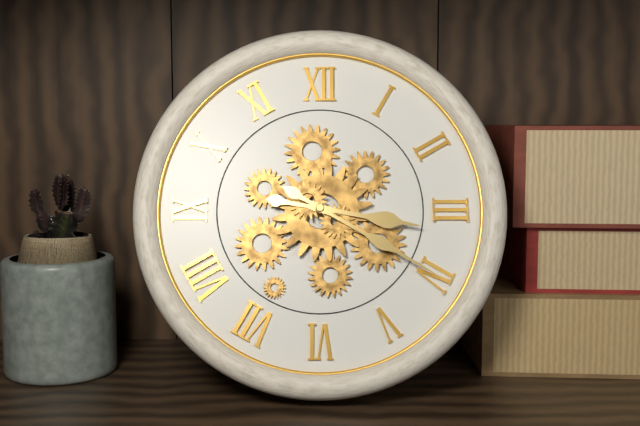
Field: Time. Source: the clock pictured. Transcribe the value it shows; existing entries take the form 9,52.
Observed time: 3,20
